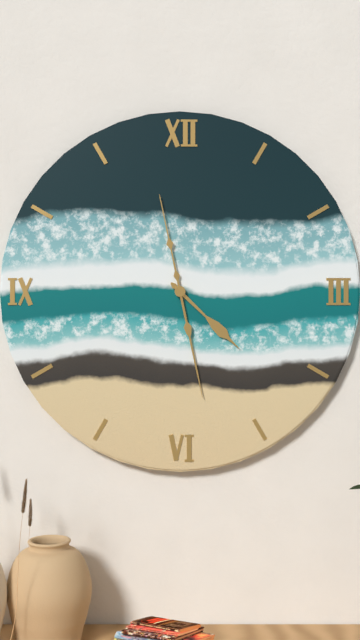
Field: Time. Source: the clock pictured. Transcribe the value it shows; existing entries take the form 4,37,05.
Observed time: 4,28,58
